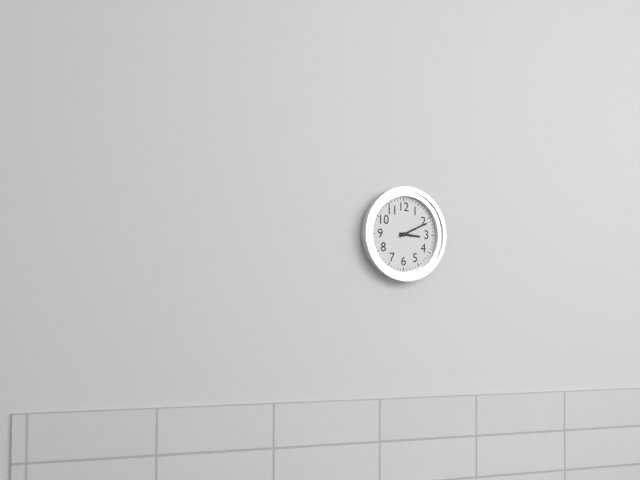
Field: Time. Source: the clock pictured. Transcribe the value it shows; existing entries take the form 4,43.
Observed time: 3,11
